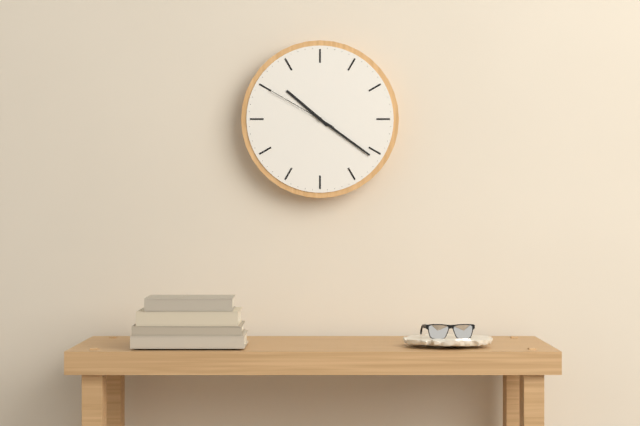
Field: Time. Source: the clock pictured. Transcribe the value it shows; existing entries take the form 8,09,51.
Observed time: 10,21,50
